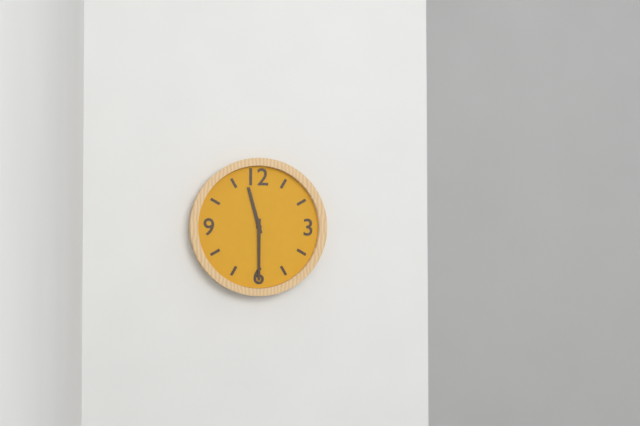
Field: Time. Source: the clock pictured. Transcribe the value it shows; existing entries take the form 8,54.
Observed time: 11,30
